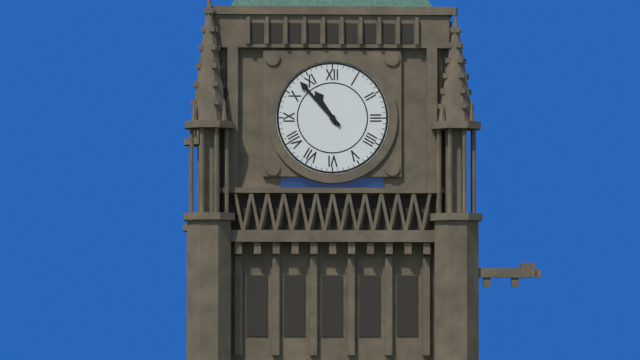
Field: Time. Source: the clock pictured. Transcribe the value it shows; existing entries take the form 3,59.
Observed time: 10,53
